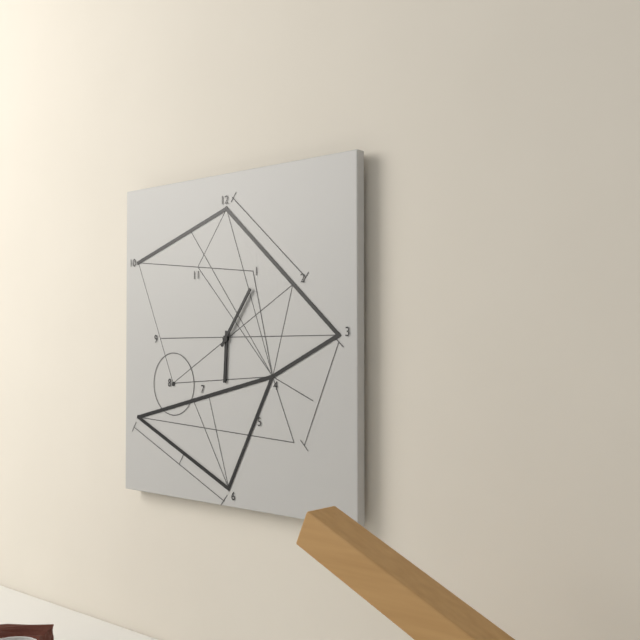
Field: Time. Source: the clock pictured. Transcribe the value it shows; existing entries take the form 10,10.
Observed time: 6,06
